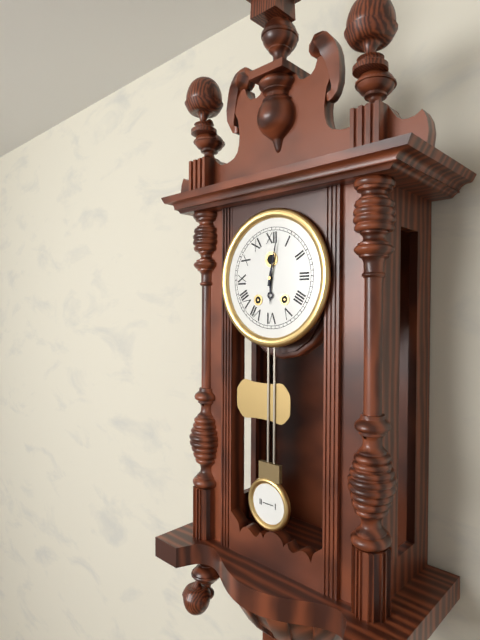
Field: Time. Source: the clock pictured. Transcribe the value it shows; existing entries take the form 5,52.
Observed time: 6,02
